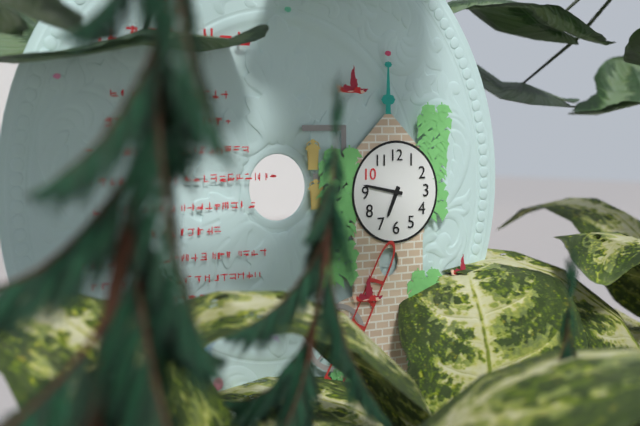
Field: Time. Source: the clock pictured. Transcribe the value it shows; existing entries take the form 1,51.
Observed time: 6,47
